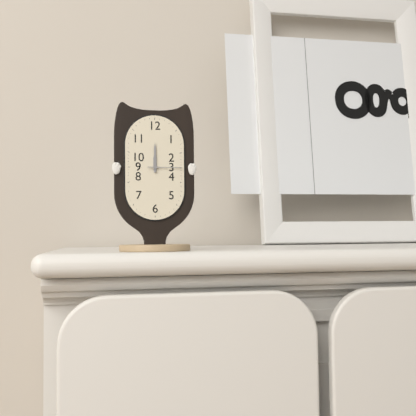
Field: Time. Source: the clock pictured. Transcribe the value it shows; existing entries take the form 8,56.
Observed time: 12,00
